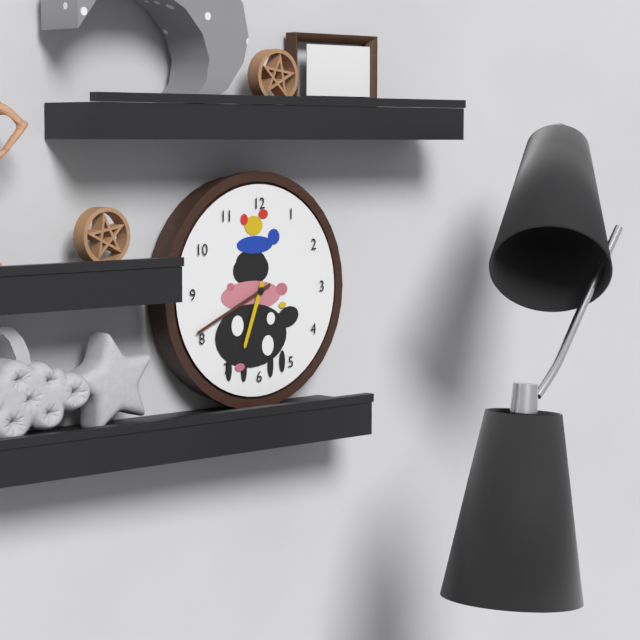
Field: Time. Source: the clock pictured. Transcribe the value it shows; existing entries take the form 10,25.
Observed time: 6,41
